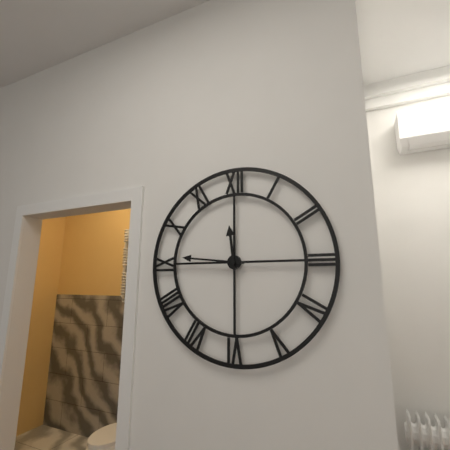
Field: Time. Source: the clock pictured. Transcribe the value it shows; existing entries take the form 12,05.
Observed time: 11,46
